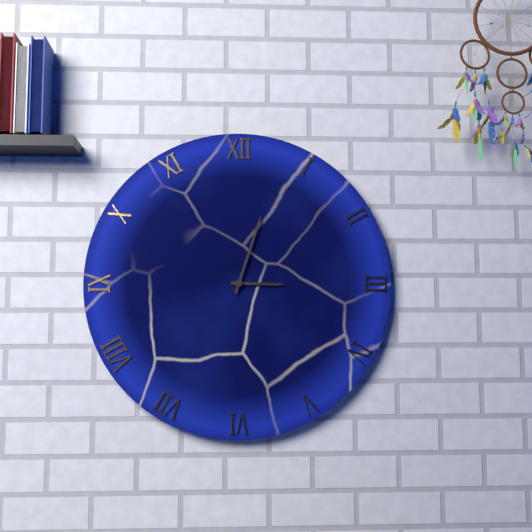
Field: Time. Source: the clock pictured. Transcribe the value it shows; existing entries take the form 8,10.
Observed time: 3,03
